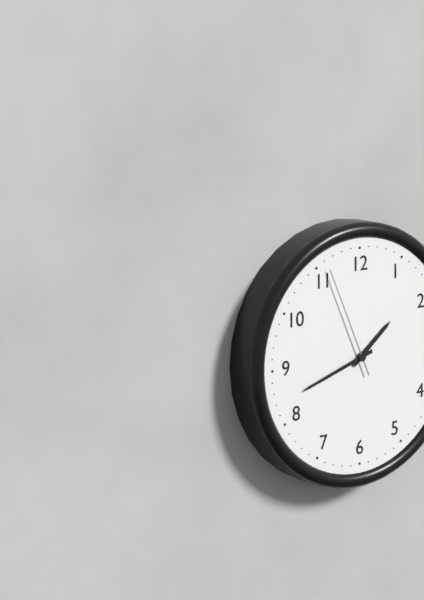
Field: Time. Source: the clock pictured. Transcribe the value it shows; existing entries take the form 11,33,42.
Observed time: 1,42,56
